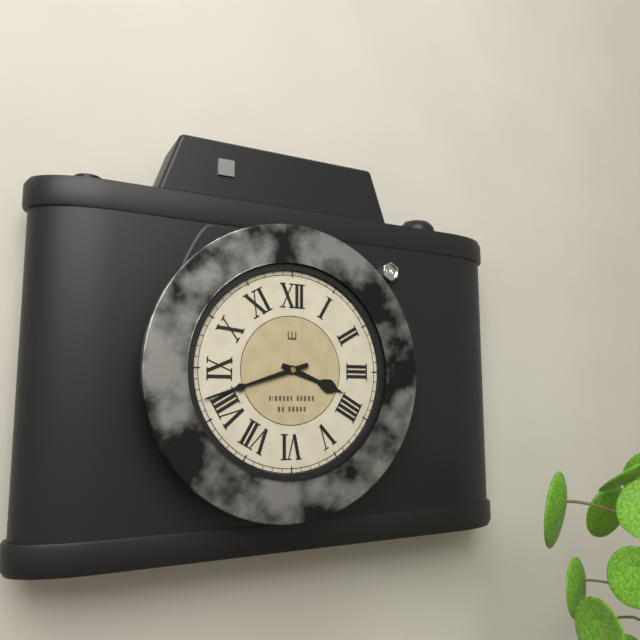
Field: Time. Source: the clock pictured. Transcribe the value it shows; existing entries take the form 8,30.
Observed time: 3,42
